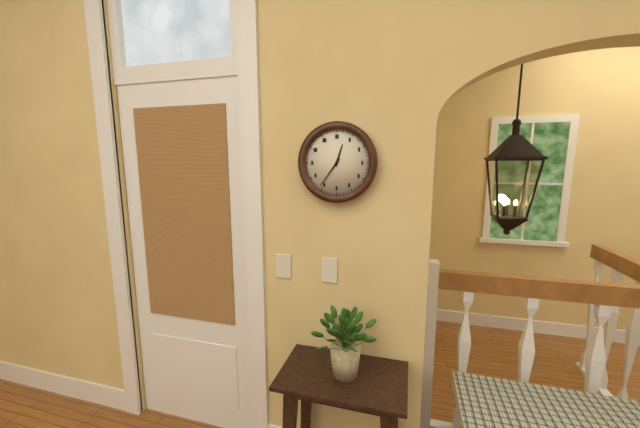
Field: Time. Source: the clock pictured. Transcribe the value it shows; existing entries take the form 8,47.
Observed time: 12,36
